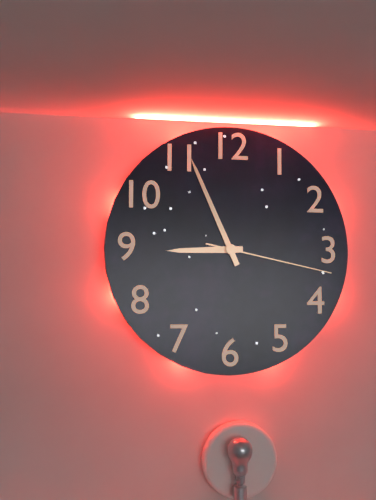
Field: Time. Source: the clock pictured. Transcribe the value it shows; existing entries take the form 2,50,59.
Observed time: 8,56,17
